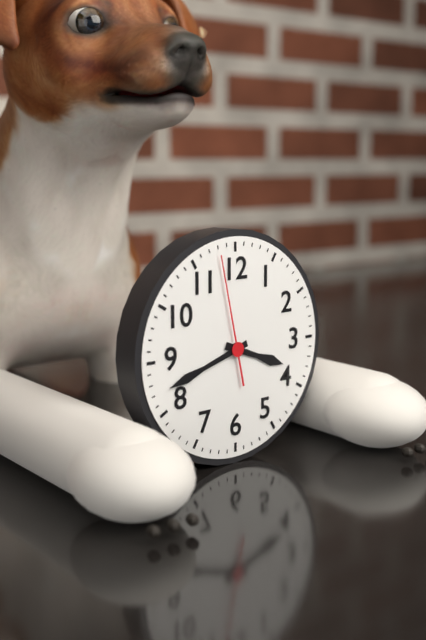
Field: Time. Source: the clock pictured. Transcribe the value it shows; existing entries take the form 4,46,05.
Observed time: 3,42,58
